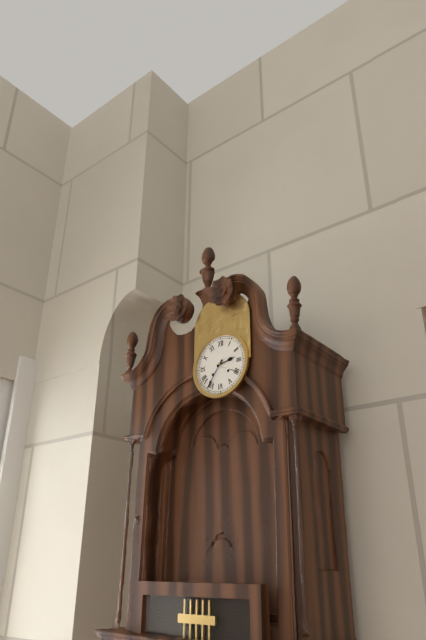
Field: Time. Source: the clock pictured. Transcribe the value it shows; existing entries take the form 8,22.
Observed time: 2,36
